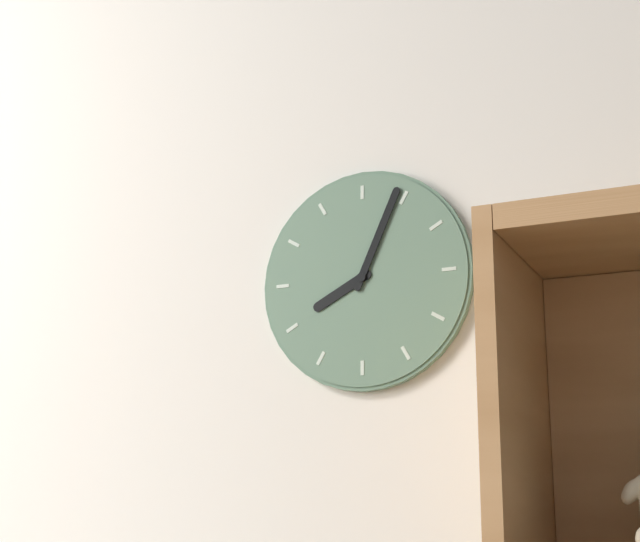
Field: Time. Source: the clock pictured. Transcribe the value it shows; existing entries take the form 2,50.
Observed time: 8,04
